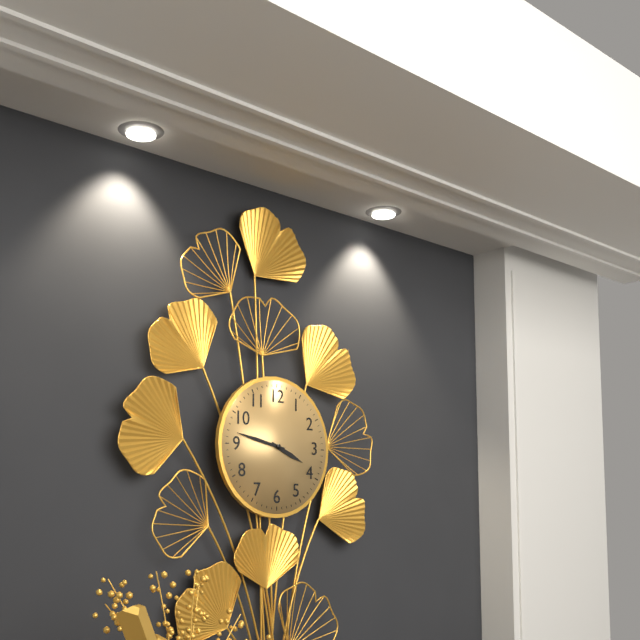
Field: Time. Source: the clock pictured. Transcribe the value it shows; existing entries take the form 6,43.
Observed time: 3,47
